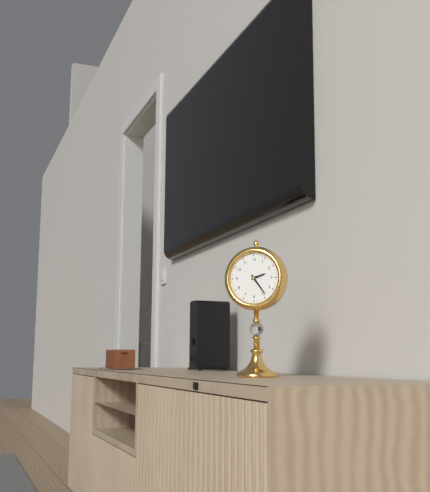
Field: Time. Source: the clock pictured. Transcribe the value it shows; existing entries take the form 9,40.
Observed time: 2,24
